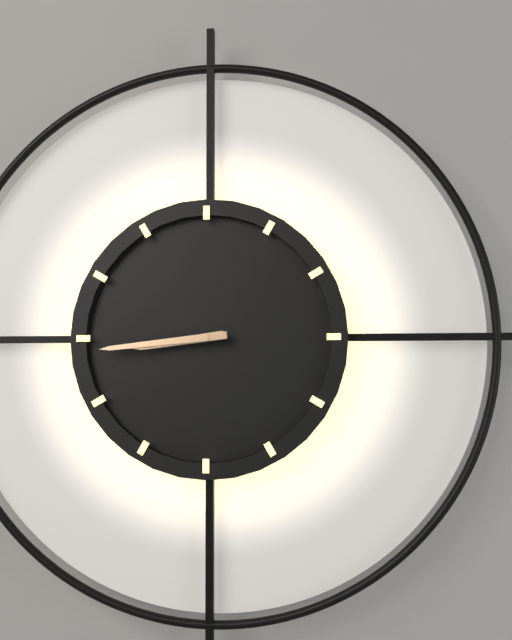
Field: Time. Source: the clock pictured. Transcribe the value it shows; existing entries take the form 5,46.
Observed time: 8,44
